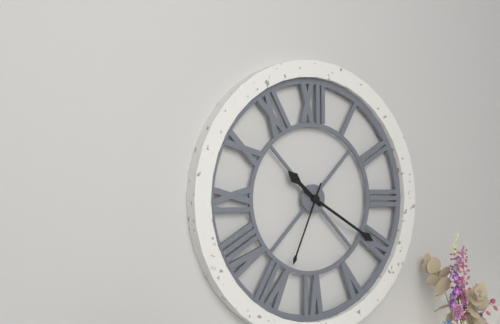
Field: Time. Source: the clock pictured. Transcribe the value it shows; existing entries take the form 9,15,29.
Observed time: 10,20,34
